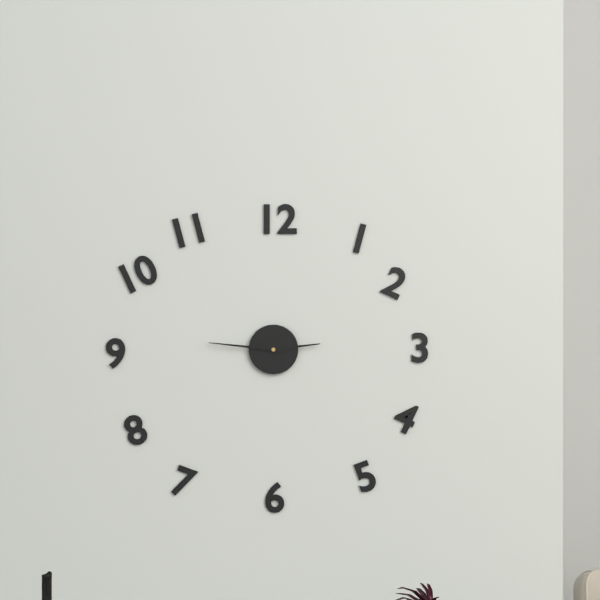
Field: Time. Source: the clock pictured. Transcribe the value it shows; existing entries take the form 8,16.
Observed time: 2,46
